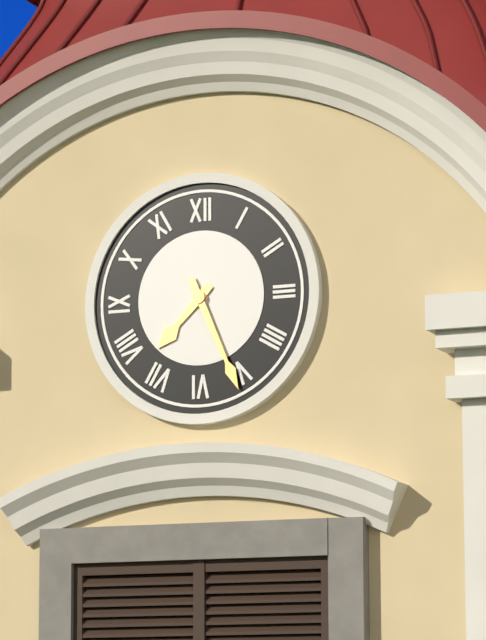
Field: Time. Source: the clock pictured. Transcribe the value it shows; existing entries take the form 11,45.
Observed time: 7,26
